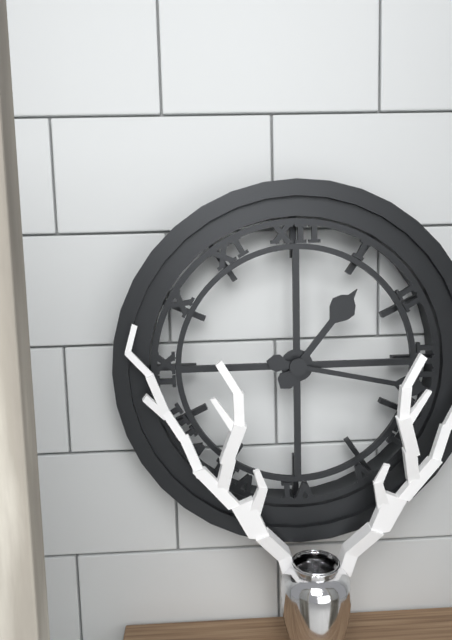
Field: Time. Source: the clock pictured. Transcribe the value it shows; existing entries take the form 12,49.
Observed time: 1,17
